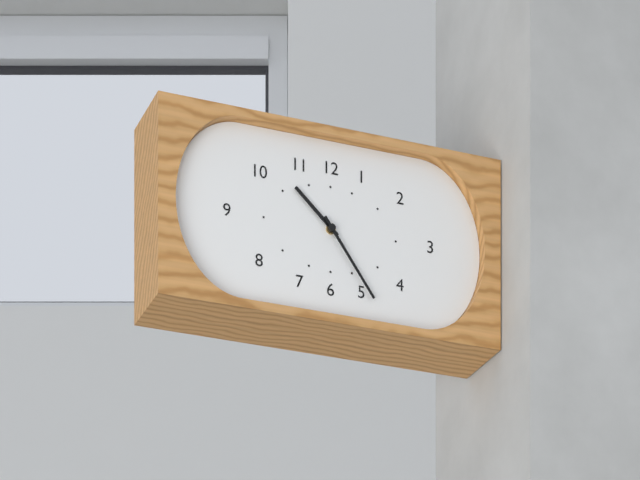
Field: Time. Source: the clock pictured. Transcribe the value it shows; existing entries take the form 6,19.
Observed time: 10,24
